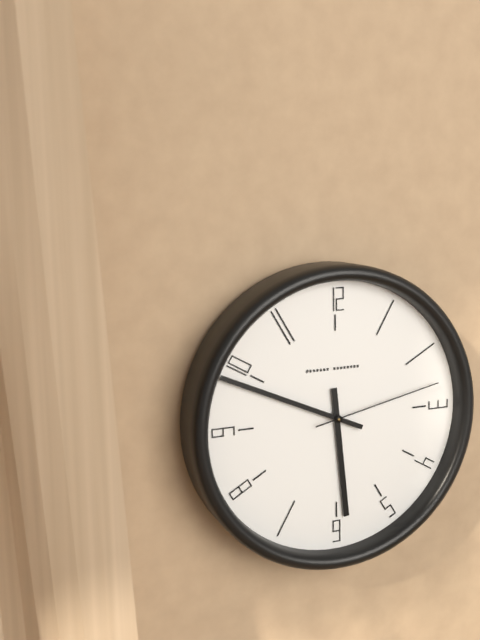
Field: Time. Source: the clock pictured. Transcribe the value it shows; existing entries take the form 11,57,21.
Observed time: 5,49,13
